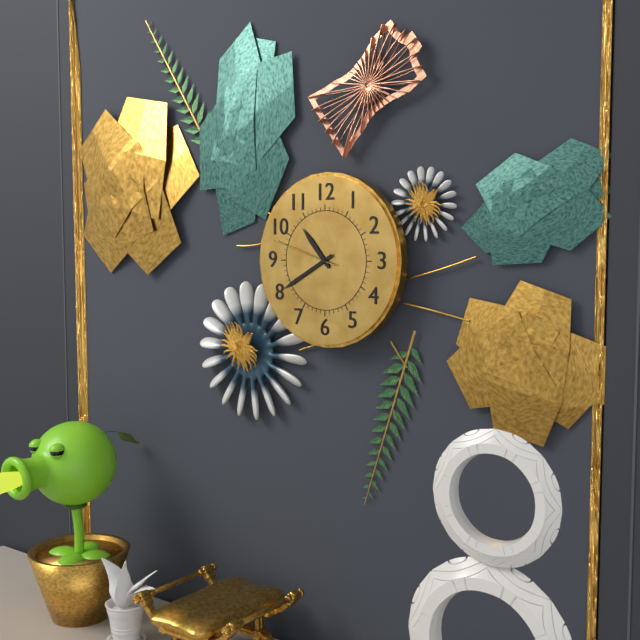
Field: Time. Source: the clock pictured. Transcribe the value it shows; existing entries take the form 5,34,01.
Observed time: 10,40,48
